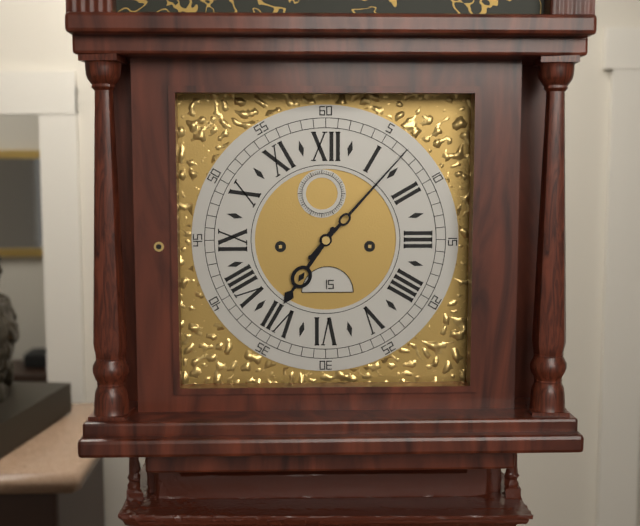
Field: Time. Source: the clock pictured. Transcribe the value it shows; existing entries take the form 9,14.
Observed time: 7,07
